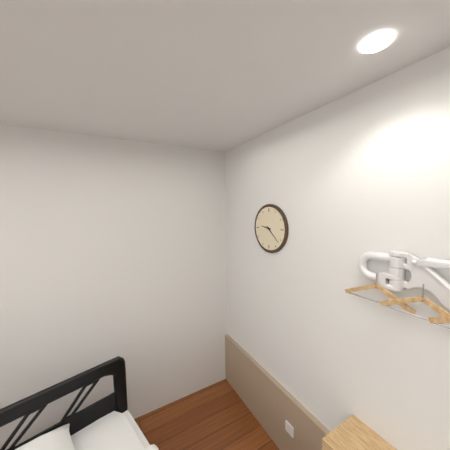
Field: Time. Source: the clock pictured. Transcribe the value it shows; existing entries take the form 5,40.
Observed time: 9,22
